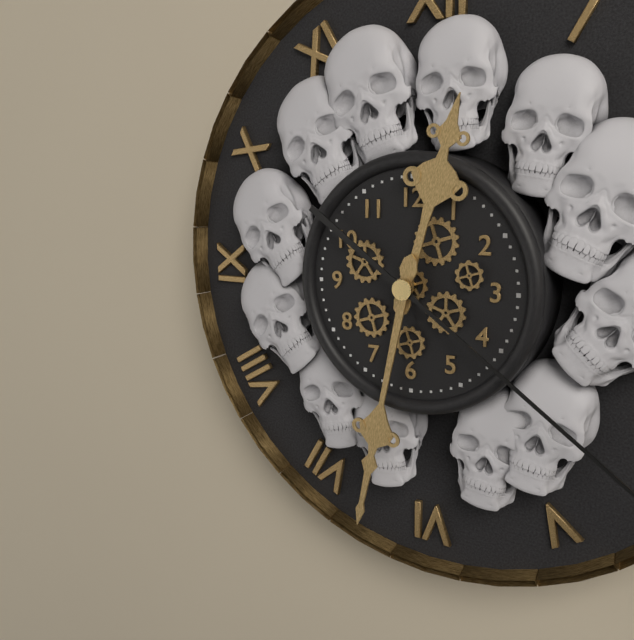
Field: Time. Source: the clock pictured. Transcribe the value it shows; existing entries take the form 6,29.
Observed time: 12,32
